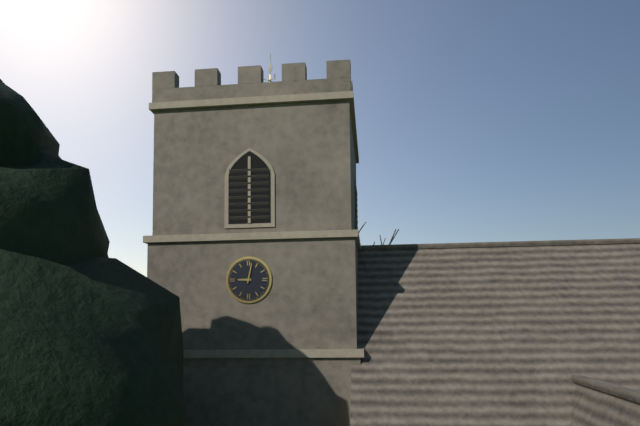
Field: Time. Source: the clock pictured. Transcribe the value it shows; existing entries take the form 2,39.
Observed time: 9,02
